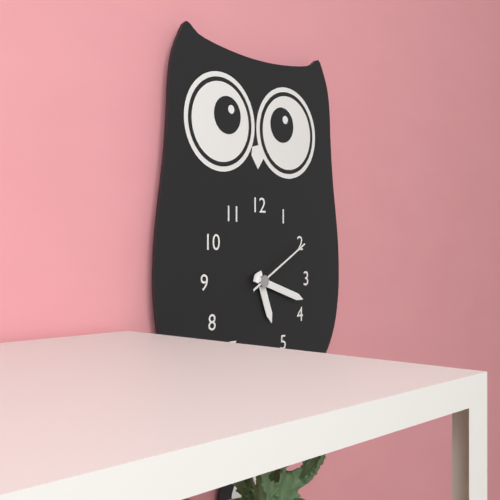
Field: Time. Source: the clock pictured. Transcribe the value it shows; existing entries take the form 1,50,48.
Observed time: 5,18,10
